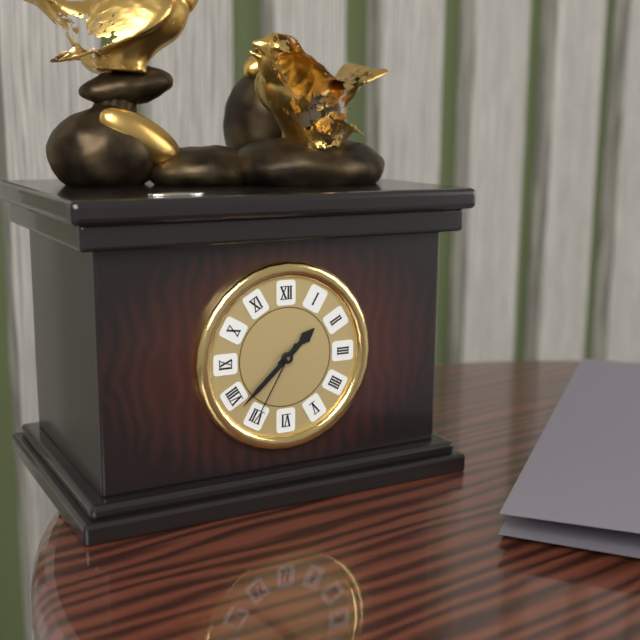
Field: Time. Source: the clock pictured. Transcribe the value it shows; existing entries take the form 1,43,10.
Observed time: 1,38,35
